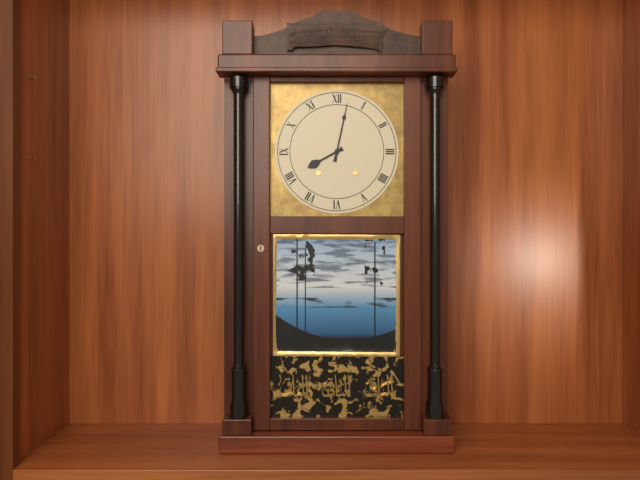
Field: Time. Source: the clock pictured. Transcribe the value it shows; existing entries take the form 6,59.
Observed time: 8,02
